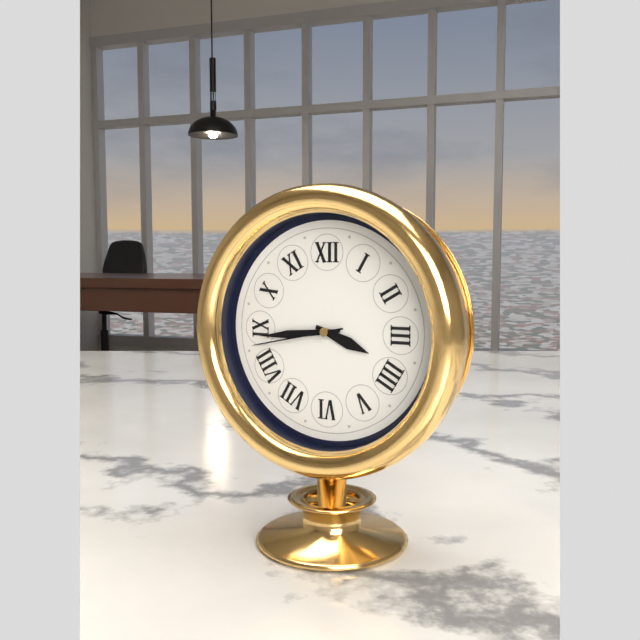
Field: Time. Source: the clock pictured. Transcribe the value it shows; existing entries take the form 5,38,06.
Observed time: 3,44,43
